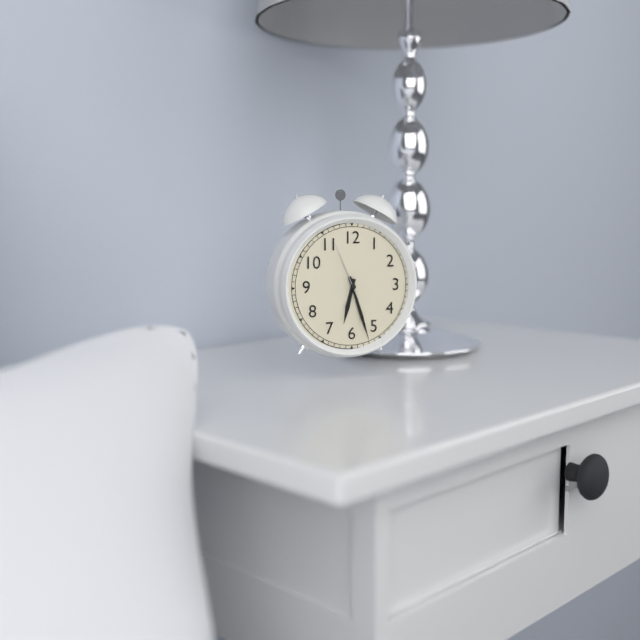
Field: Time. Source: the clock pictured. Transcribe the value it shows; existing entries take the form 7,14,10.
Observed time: 6,27,56
